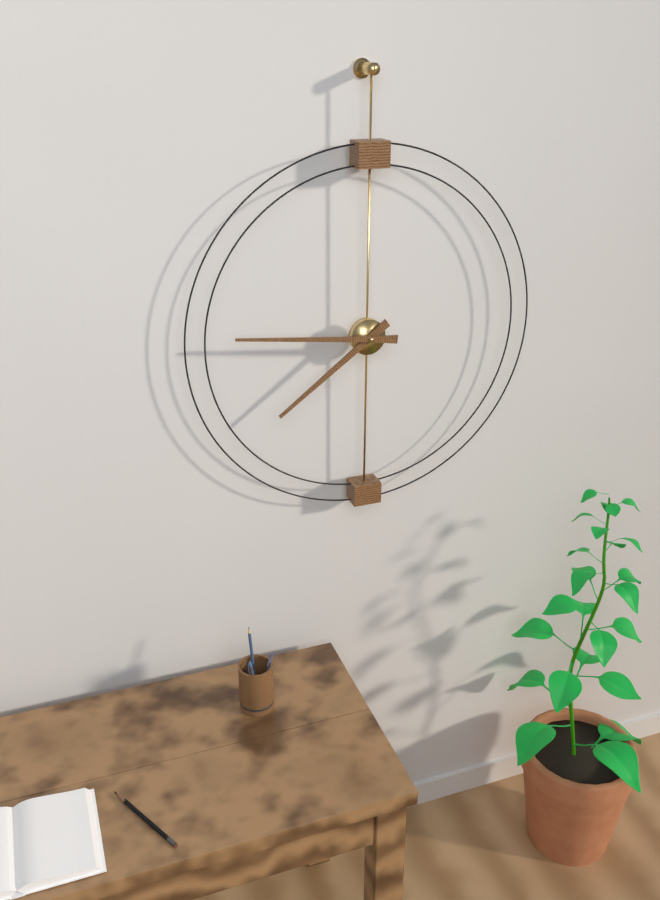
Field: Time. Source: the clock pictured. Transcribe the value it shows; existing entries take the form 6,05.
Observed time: 7,46
